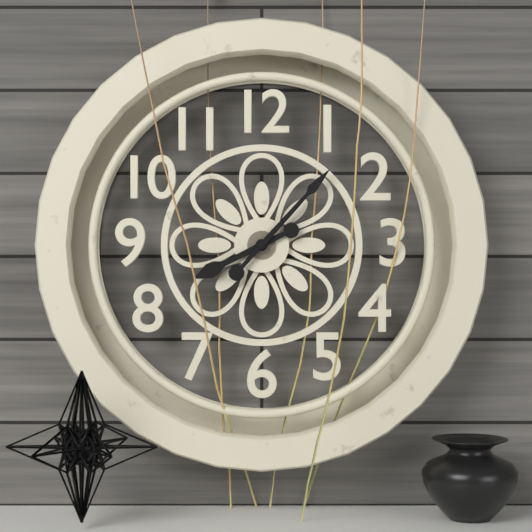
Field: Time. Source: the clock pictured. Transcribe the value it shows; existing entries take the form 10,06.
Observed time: 8,07
